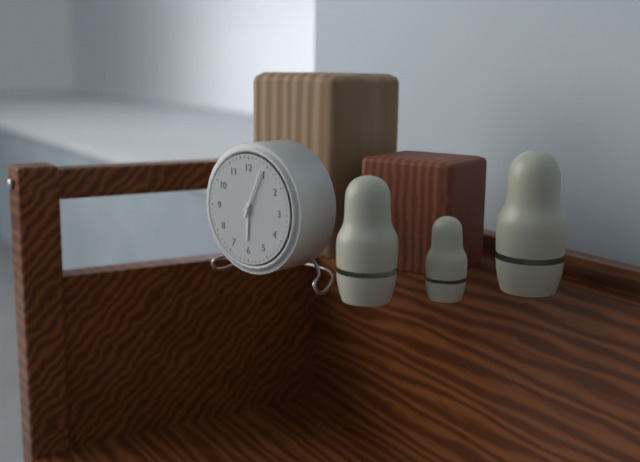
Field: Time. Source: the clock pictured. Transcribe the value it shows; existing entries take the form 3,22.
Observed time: 6,04
